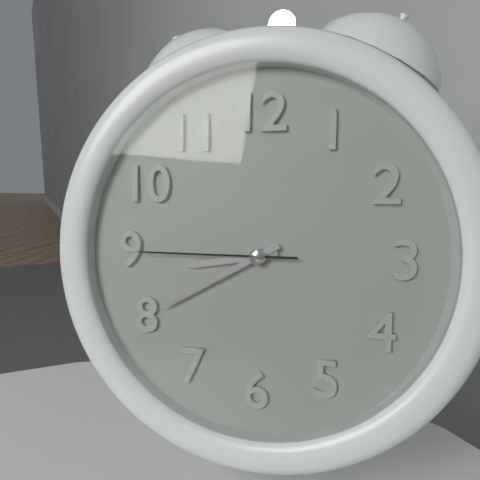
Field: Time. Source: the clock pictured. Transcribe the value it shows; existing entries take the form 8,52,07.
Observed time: 8,40,45
